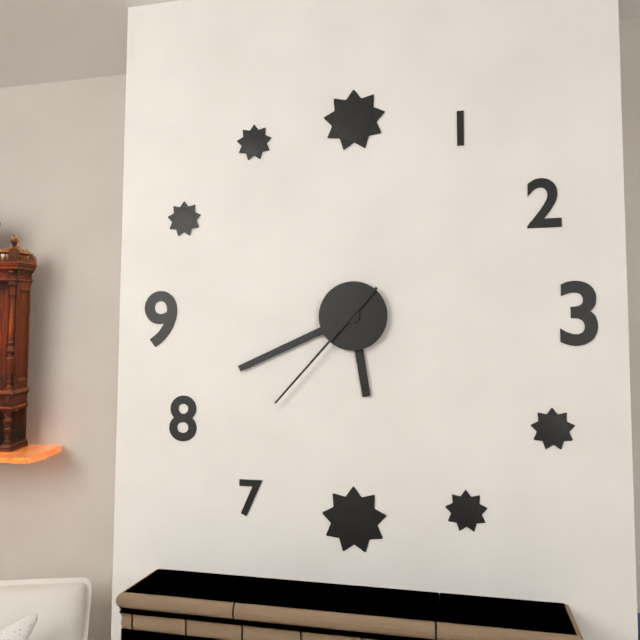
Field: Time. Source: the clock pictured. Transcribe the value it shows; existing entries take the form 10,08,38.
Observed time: 5,41,37
